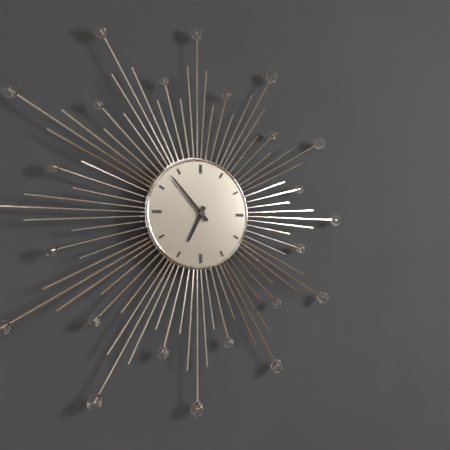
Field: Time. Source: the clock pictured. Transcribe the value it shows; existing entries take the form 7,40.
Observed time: 6,53
